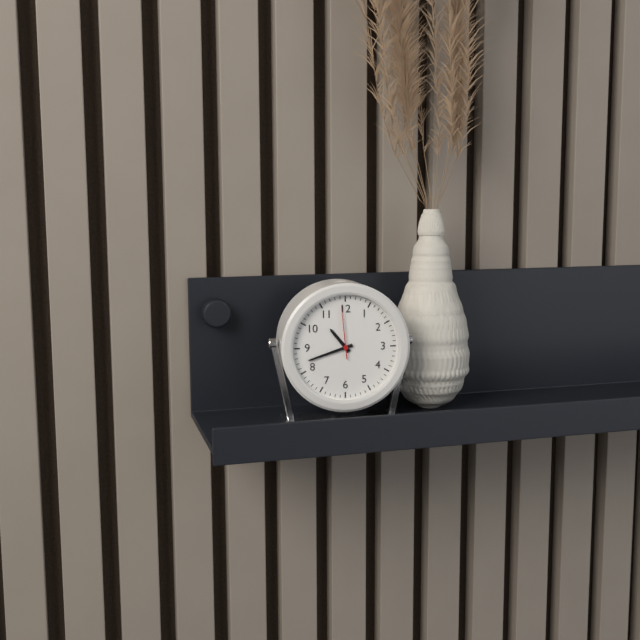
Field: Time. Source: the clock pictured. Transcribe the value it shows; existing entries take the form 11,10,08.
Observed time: 10,42,59
